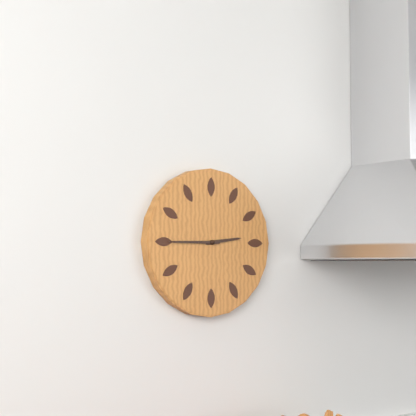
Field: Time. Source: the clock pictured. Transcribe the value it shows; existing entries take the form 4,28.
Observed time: 2,45
